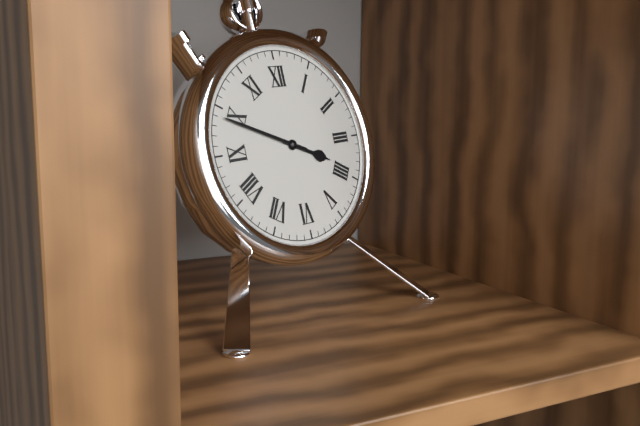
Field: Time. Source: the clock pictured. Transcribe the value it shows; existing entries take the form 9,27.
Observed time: 3,49
